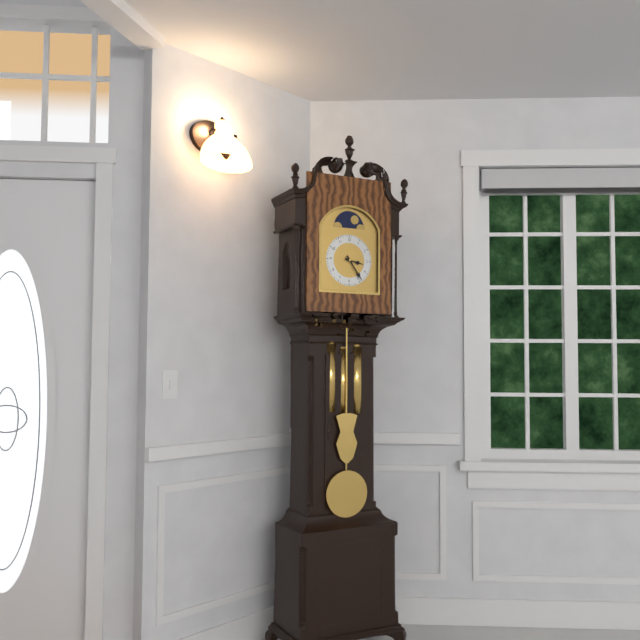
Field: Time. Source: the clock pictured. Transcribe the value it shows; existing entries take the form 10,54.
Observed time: 3,24
